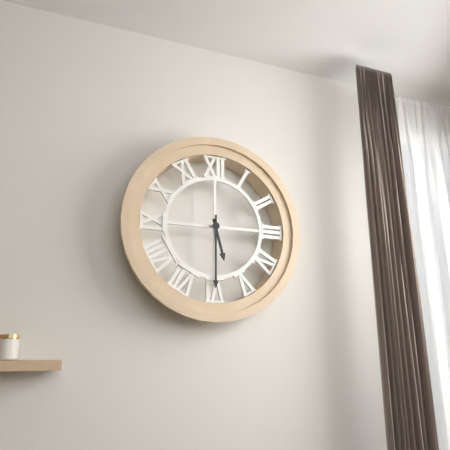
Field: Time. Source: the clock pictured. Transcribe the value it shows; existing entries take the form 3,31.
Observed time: 5,30
